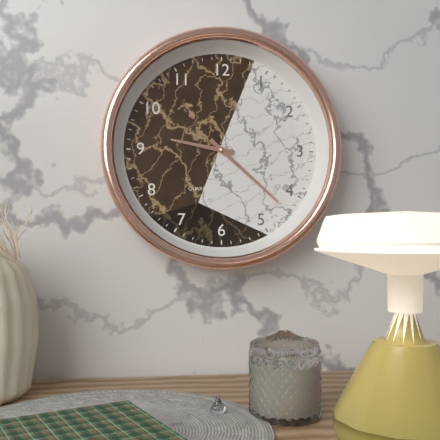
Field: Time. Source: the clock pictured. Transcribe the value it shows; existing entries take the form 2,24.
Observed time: 9,22
